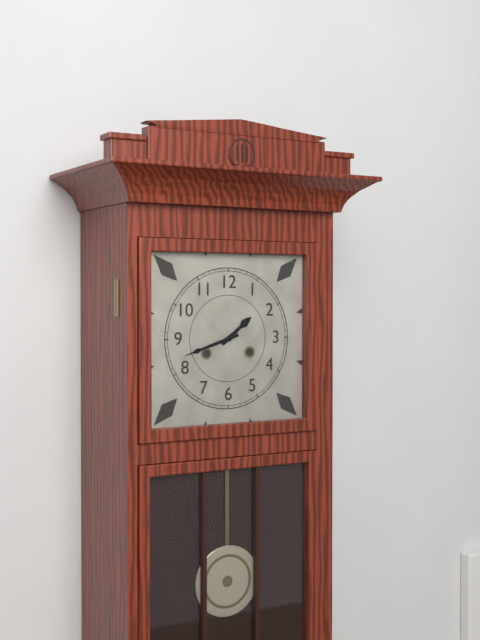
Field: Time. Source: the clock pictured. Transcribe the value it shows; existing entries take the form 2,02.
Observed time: 1,42
